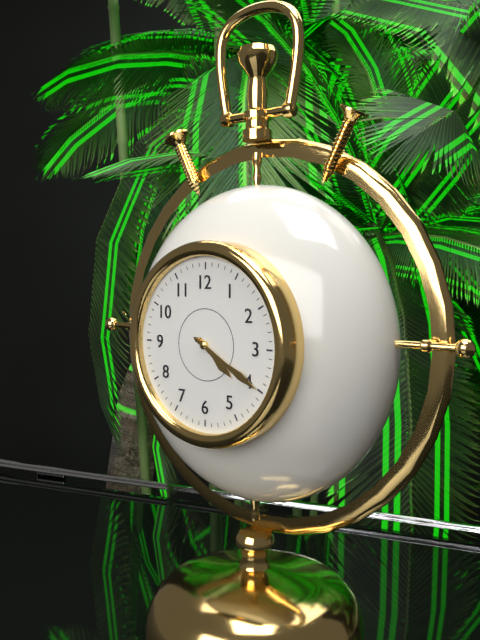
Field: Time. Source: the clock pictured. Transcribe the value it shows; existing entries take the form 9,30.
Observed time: 4,20
